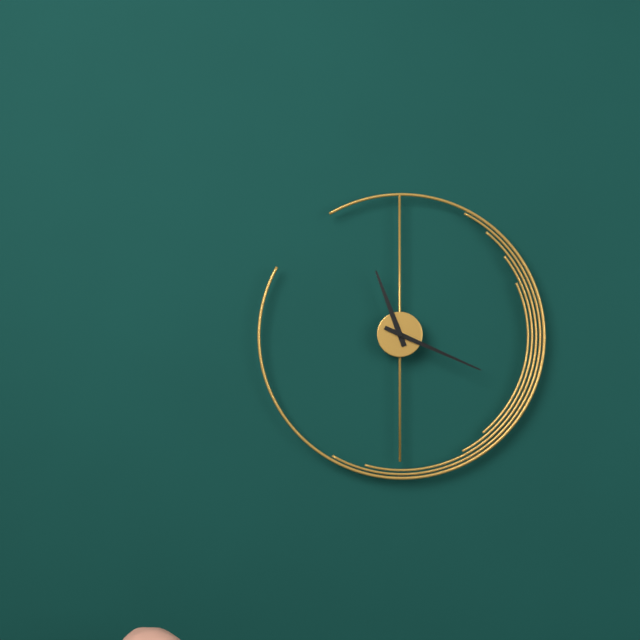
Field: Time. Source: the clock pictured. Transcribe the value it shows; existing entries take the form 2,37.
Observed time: 11,19
